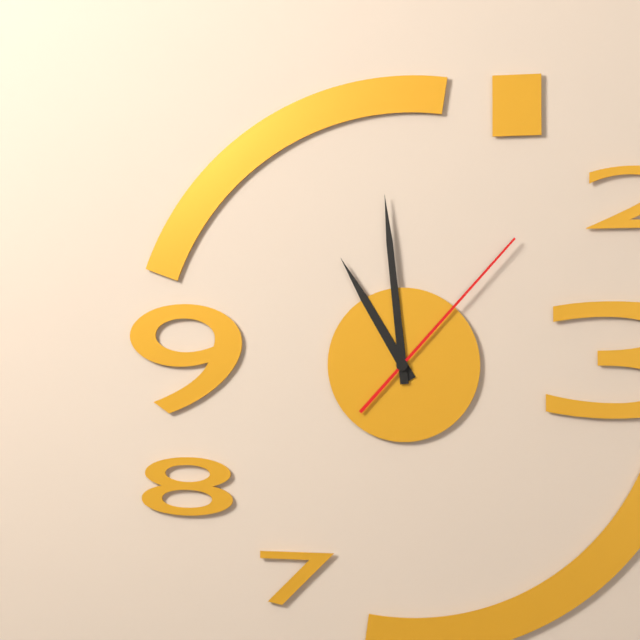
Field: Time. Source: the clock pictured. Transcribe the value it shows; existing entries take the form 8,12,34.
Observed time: 10,59,07
